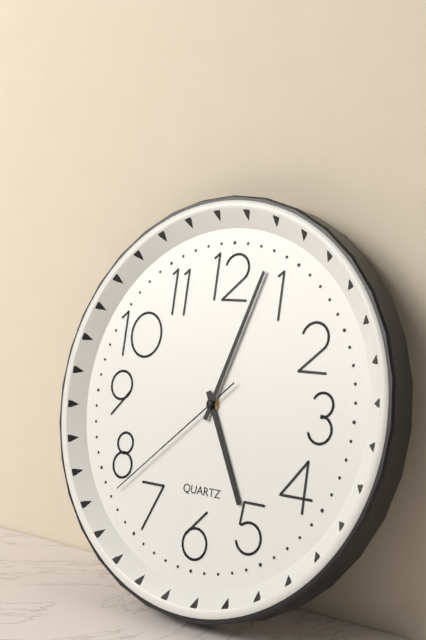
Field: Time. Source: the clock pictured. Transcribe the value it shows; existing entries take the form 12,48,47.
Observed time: 5,03,38
